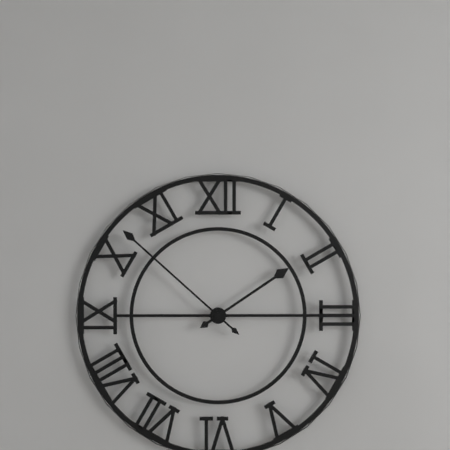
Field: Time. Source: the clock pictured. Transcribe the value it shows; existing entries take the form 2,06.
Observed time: 1,52
